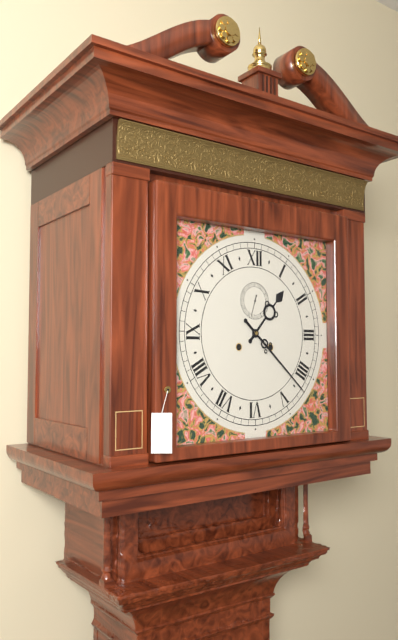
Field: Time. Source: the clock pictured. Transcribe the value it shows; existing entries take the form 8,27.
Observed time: 1,22
